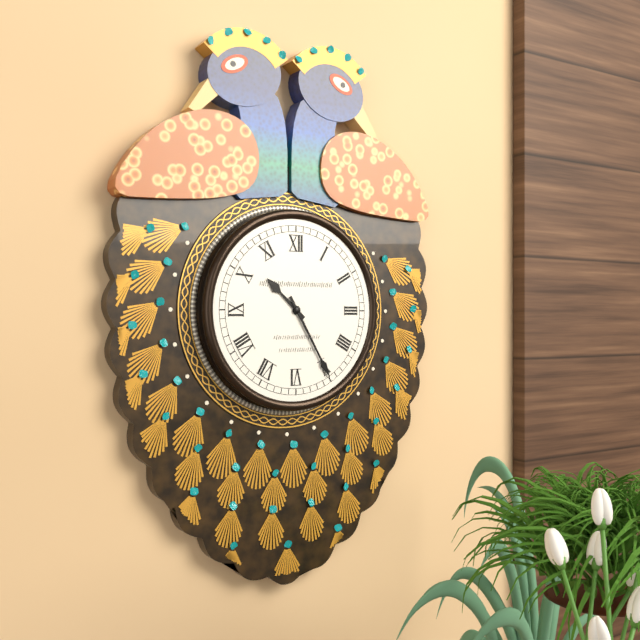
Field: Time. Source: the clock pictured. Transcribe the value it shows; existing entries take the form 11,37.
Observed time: 10,25
